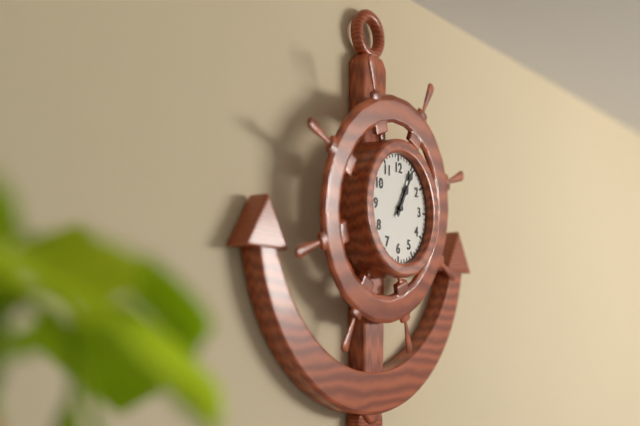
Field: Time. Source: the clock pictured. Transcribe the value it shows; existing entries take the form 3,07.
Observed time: 1,05
